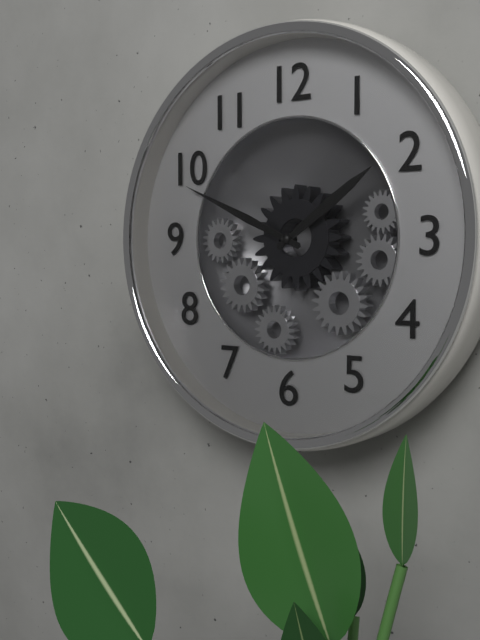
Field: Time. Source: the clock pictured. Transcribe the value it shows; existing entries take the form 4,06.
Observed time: 1,49
